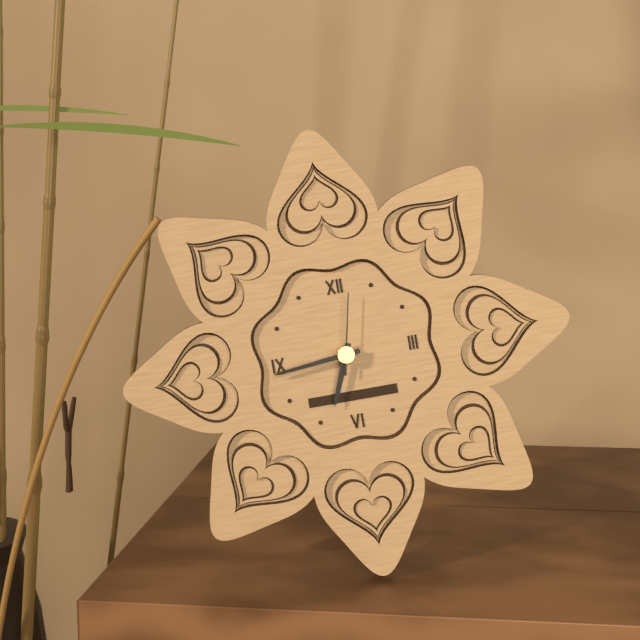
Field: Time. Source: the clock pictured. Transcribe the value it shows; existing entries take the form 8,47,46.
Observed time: 6,44,02
